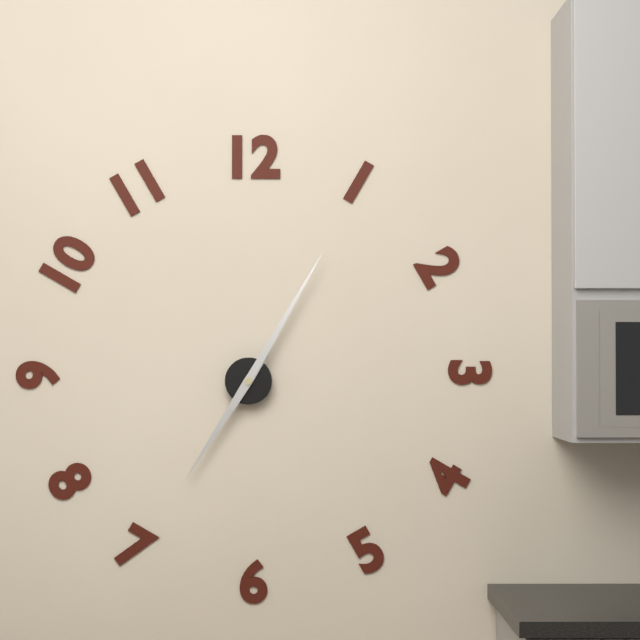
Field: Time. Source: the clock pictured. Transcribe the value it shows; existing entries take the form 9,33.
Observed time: 7,05
